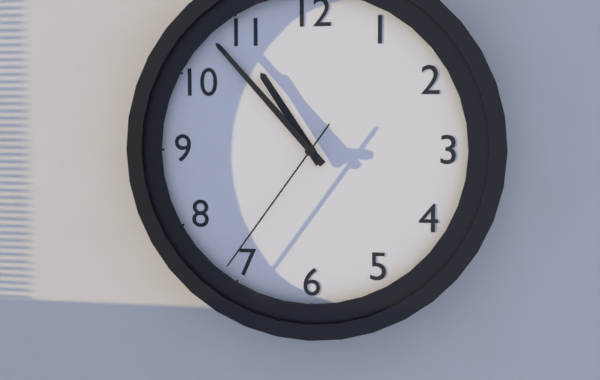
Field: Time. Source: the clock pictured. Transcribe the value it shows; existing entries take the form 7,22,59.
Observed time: 10,53,36
